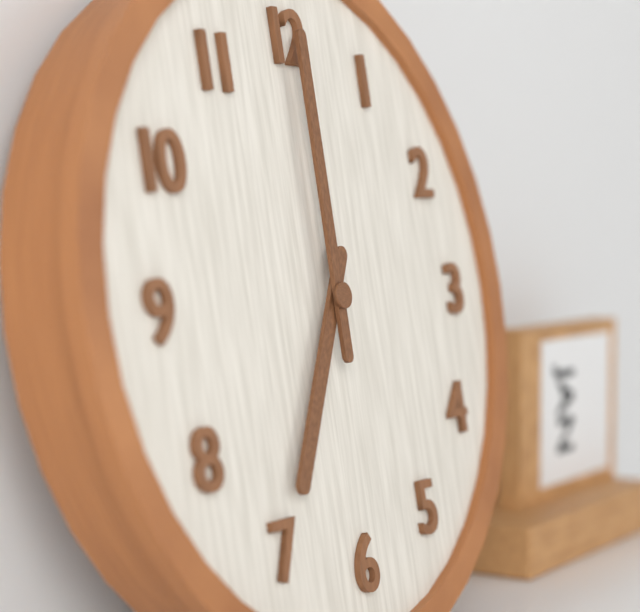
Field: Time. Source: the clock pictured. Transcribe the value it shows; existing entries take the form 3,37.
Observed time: 7,00
